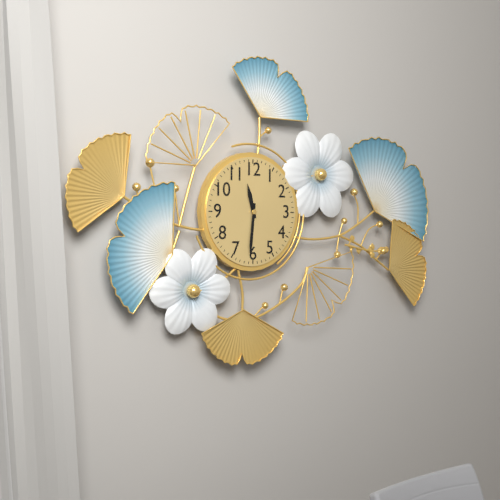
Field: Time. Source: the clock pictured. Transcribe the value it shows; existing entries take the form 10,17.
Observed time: 11,31
